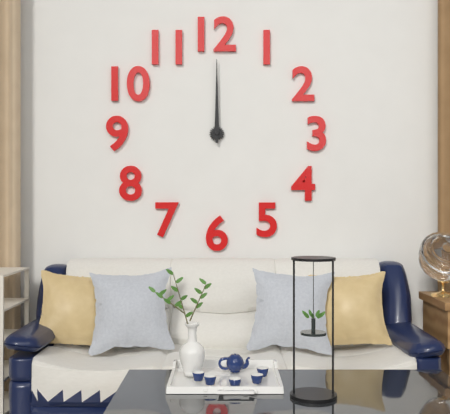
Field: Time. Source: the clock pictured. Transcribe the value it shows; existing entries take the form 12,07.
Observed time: 12,00
